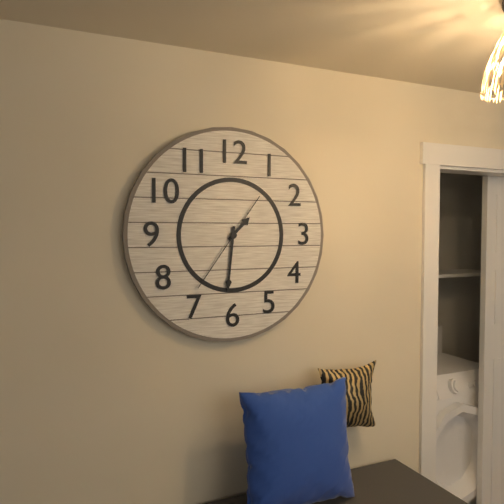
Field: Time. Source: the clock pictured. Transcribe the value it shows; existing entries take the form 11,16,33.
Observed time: 1,31,36
